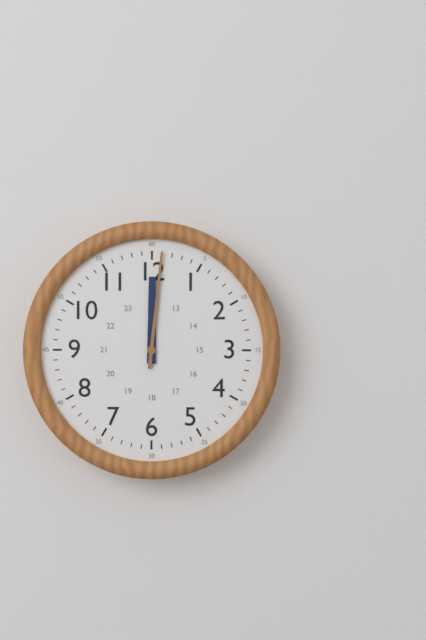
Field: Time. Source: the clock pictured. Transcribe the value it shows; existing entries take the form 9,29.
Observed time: 12,01
